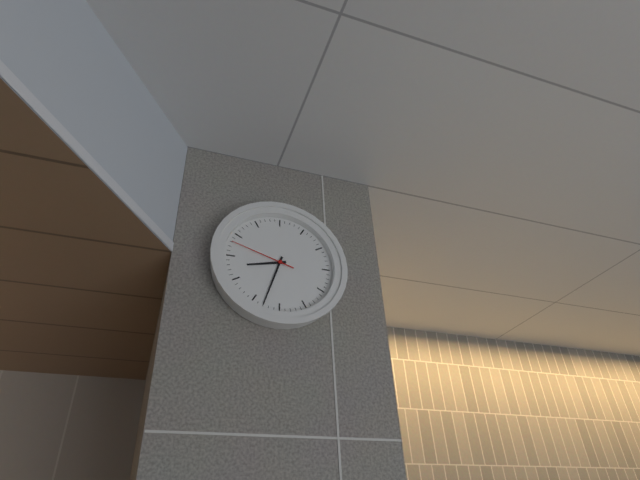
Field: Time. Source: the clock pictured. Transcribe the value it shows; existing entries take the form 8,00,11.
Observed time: 8,33,48
